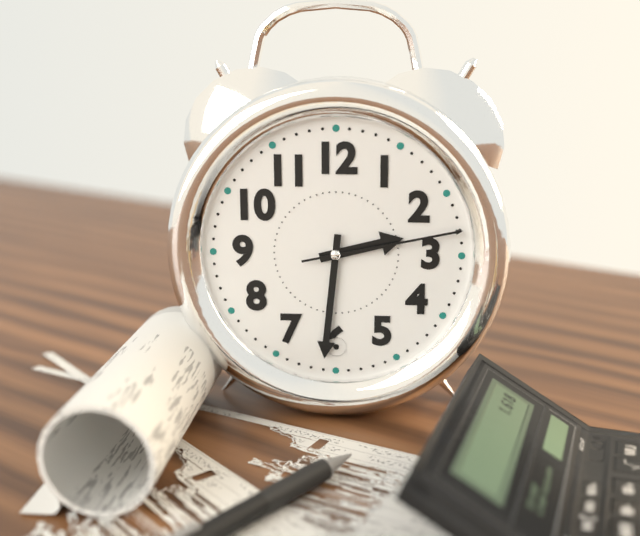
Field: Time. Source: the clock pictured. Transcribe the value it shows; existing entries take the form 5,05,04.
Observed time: 2,31,13
